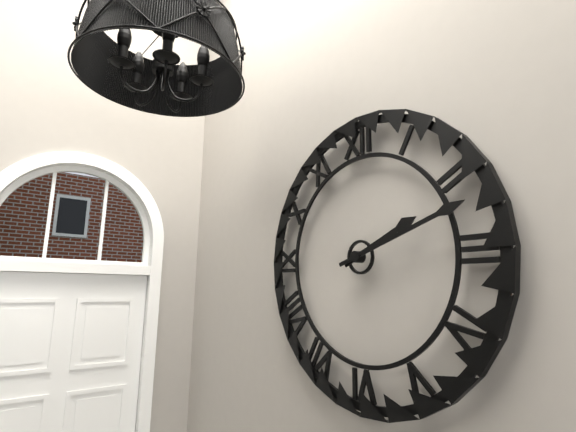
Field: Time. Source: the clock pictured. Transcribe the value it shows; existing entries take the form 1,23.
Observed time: 2,12
